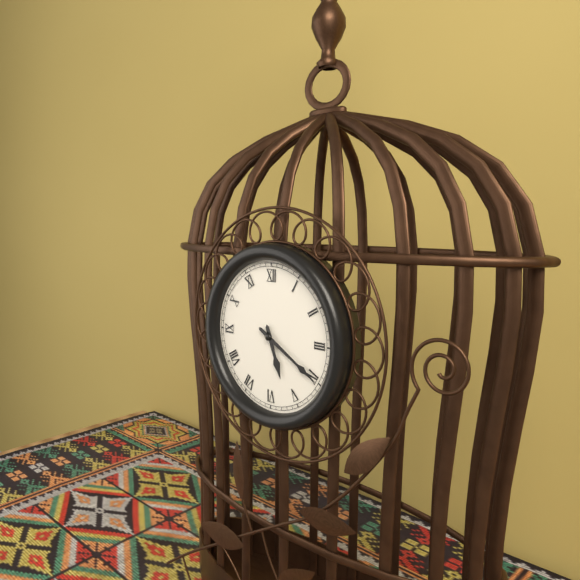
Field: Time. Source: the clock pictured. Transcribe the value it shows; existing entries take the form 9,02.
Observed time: 5,20
